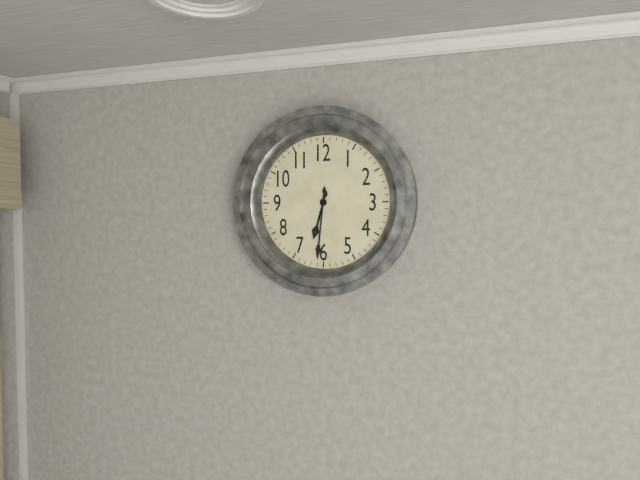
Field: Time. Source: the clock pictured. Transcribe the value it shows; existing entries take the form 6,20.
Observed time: 6,31
